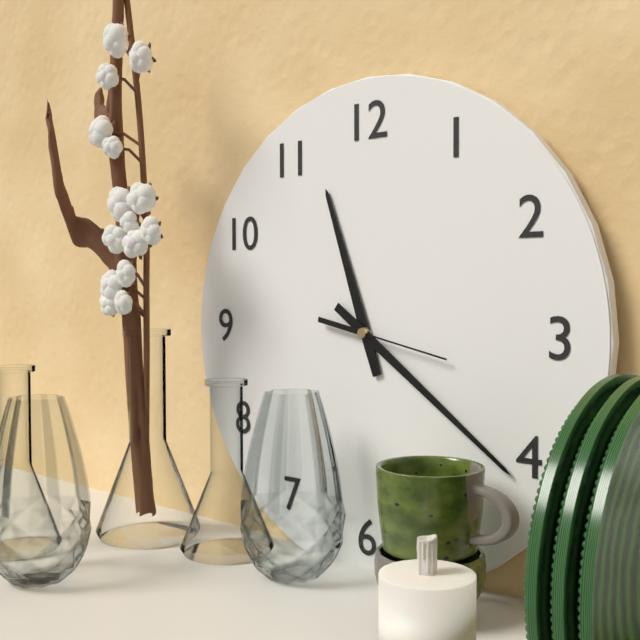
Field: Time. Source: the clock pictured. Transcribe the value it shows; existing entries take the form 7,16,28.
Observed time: 11,21,17
